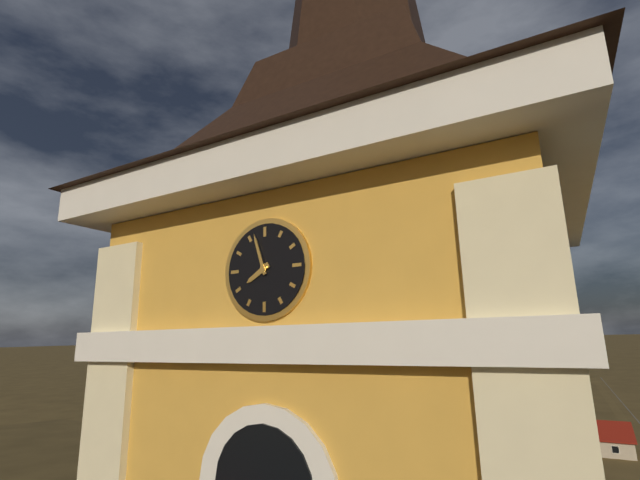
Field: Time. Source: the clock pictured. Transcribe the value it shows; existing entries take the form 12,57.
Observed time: 7,57
